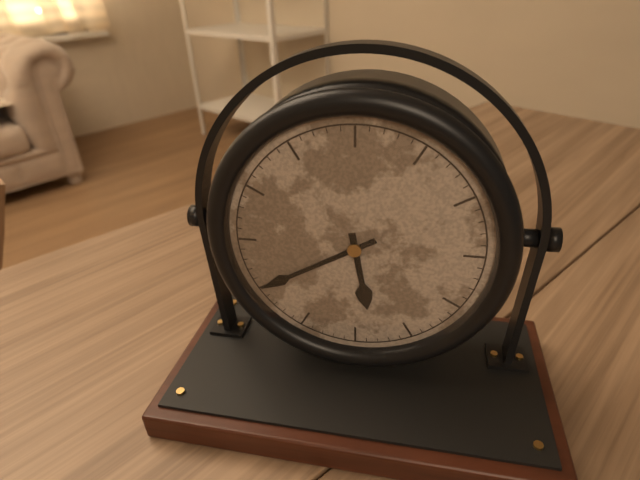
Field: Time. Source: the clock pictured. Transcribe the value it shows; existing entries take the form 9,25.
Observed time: 5,40
